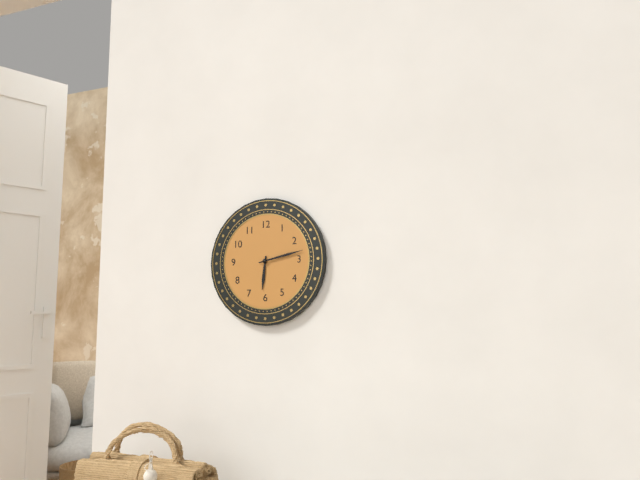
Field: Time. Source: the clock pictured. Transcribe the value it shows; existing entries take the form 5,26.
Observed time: 6,13
